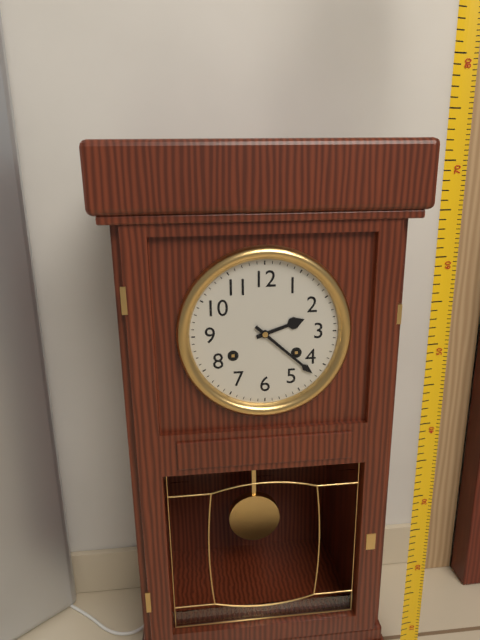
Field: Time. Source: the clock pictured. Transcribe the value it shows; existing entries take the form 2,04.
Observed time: 2,22
